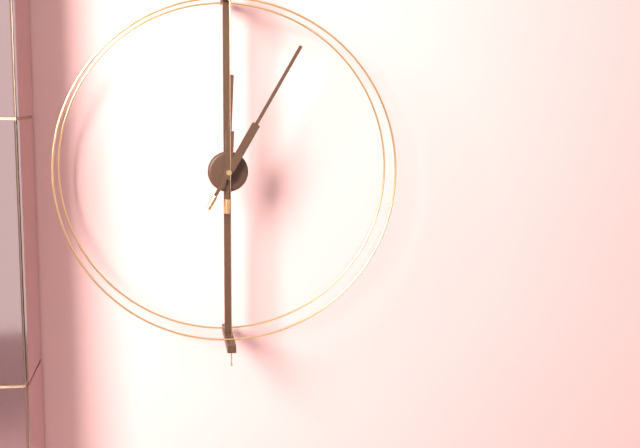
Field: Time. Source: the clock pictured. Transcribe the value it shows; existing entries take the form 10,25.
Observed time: 12,05
